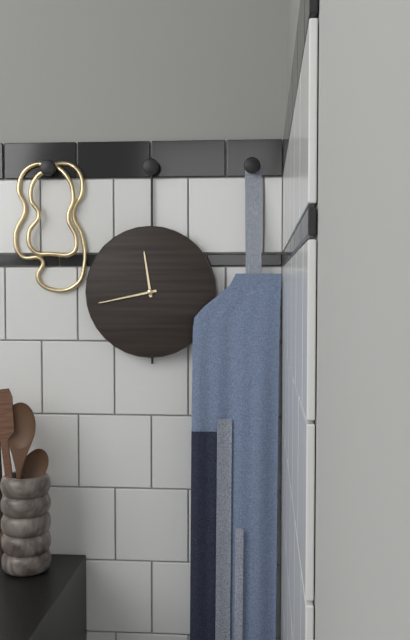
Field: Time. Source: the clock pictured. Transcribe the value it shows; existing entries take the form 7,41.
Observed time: 11,43
